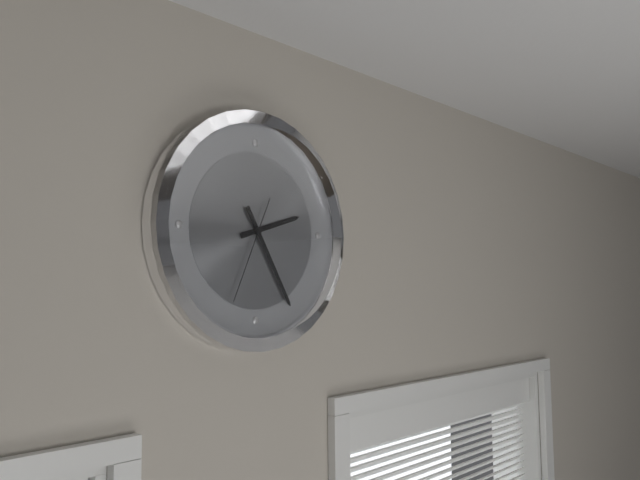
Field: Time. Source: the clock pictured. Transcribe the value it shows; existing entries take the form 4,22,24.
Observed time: 2,25,34
